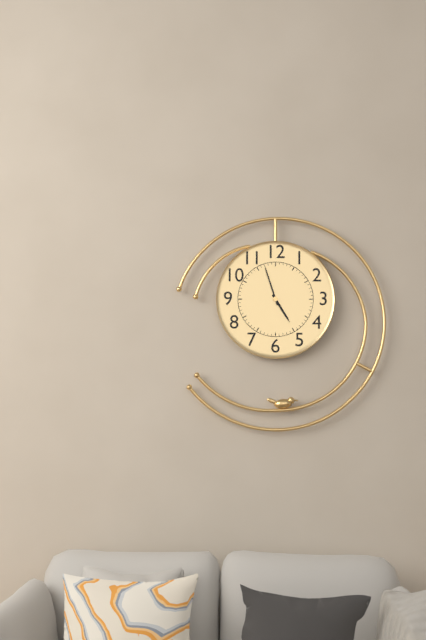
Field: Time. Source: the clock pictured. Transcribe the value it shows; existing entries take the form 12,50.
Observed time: 4,57
